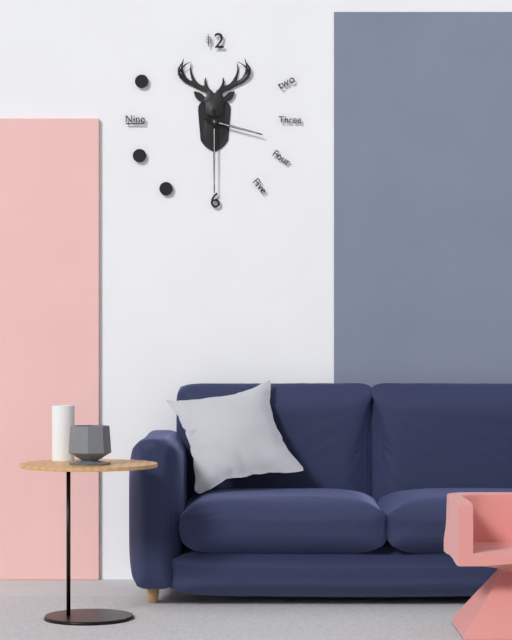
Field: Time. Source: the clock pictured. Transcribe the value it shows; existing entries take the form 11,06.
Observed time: 3,30
